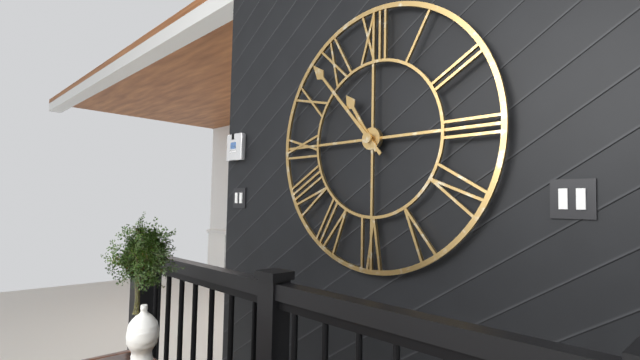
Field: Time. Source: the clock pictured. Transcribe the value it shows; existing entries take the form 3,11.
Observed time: 10,53
